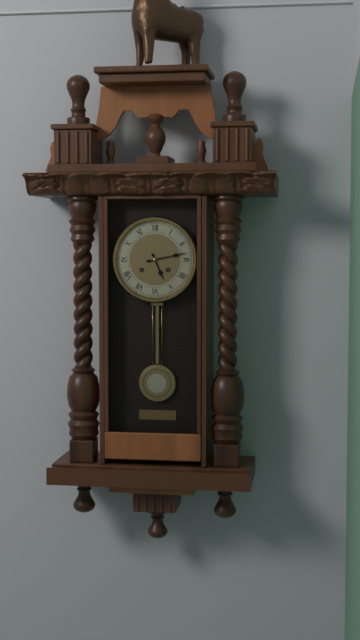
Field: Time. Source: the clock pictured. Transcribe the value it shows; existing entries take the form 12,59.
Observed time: 5,13
